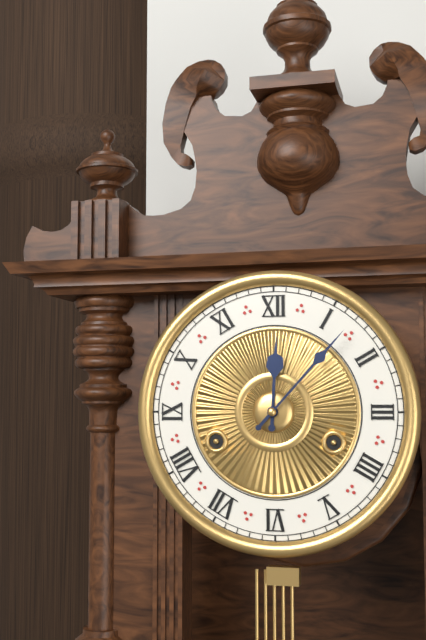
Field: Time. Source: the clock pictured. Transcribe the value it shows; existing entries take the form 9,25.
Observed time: 12,07
